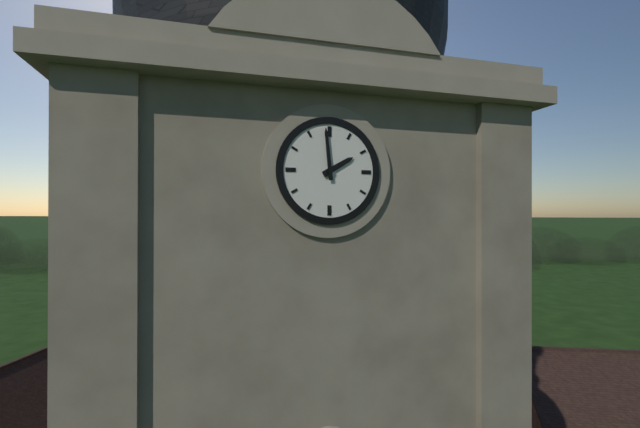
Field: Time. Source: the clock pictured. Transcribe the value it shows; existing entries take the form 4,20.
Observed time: 1,59
